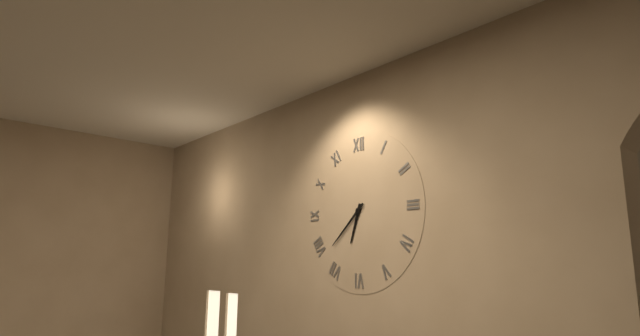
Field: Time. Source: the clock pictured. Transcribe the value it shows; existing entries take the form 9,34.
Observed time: 6,38
